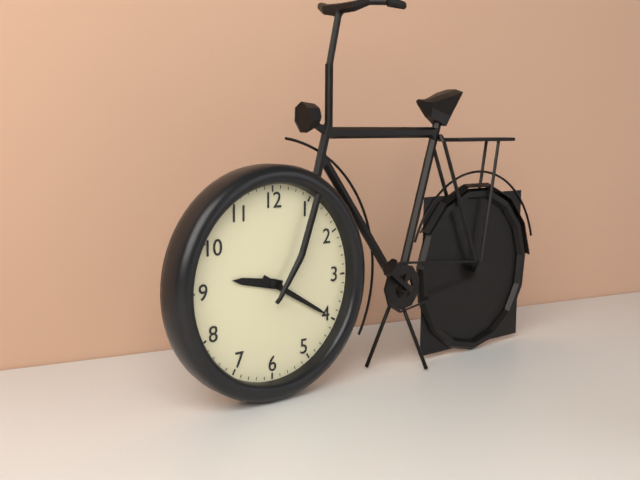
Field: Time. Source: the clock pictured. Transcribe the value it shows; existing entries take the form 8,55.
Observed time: 9,20
